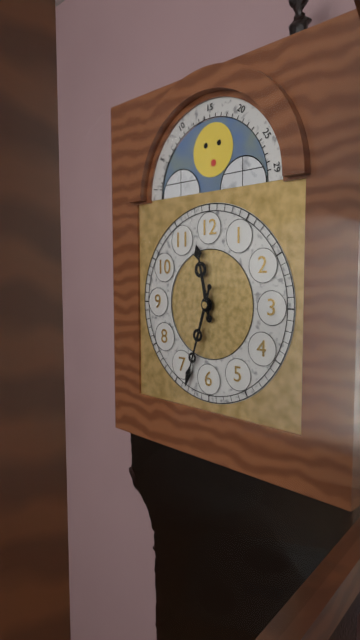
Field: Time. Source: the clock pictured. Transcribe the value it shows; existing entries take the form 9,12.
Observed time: 11,33
